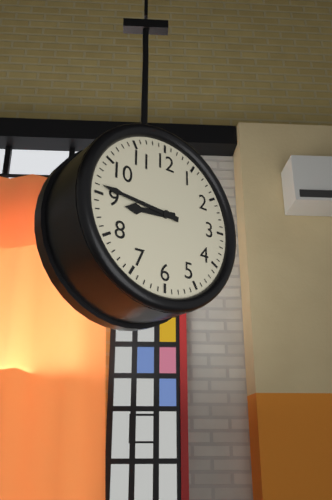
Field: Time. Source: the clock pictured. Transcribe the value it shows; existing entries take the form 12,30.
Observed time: 8,46
